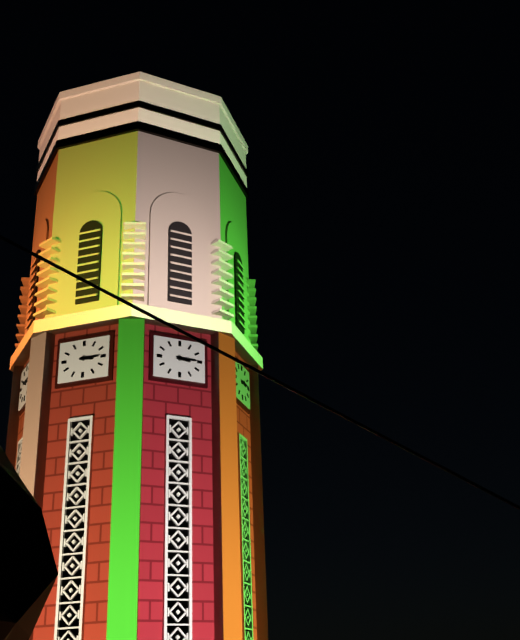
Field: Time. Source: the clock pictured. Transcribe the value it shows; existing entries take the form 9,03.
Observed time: 3,15
